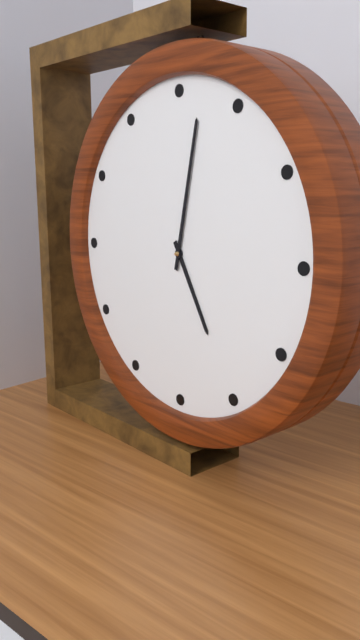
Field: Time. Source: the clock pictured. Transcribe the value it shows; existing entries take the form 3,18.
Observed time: 5,02
